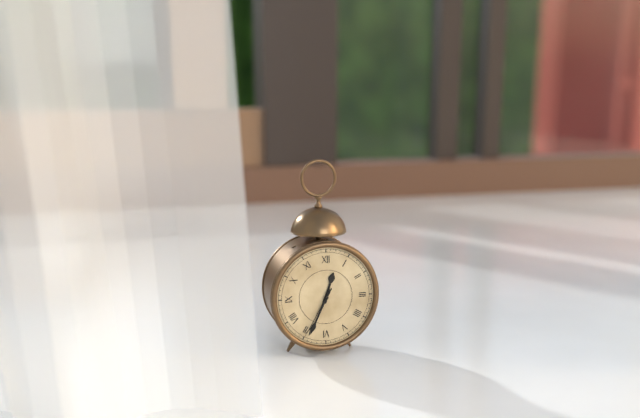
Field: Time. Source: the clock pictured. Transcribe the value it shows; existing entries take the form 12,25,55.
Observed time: 12,34,35
